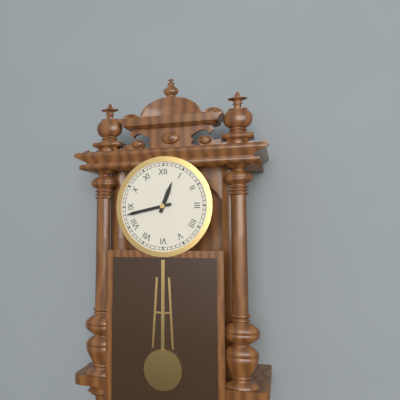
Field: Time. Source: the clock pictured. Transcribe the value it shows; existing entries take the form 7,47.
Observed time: 12,43
